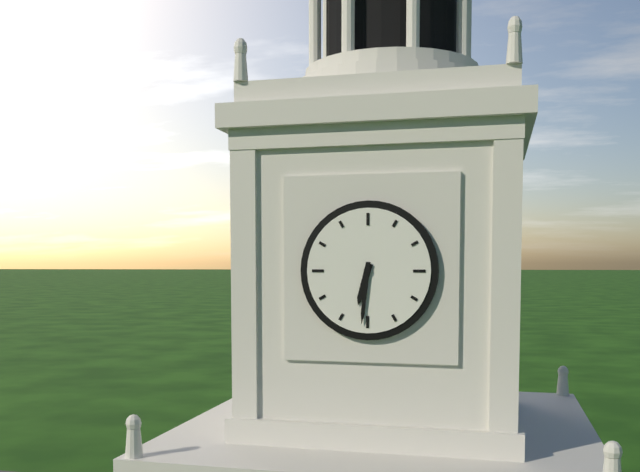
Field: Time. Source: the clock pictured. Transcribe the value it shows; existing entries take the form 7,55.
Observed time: 6,31
